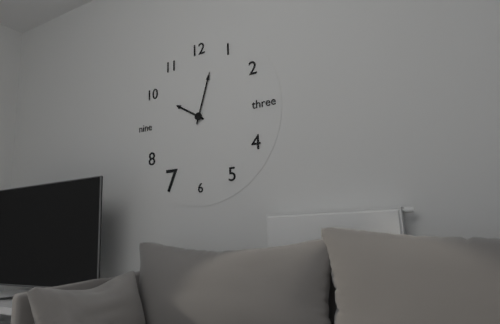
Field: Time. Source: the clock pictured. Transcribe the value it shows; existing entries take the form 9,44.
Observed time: 10,03
